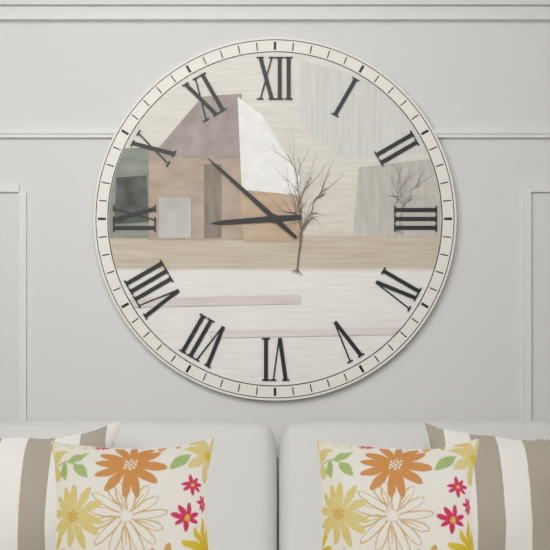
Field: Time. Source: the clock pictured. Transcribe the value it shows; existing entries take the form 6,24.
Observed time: 8,52
